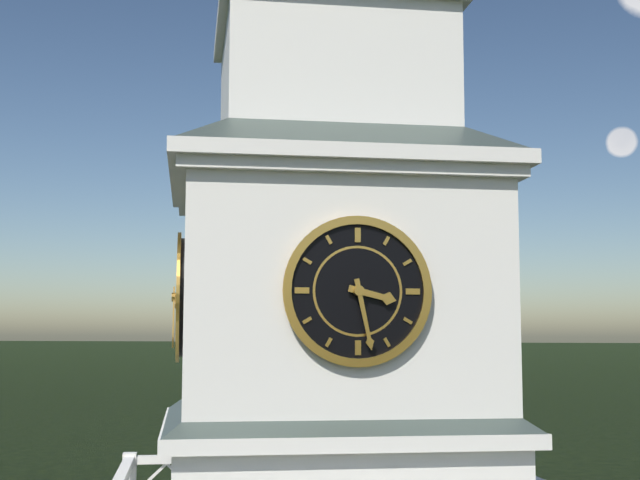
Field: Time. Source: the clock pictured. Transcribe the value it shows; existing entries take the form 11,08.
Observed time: 3,28
